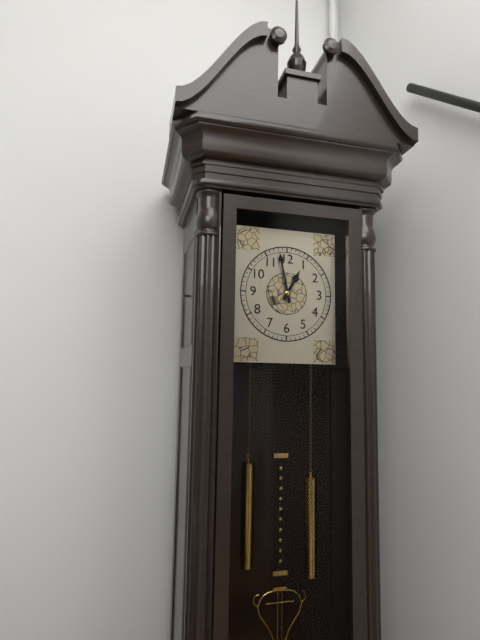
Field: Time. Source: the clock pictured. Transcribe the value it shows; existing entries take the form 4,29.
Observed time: 12,58
